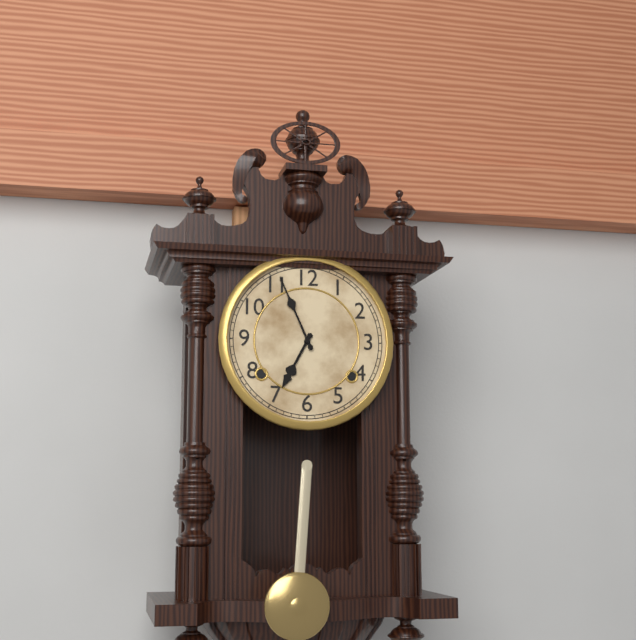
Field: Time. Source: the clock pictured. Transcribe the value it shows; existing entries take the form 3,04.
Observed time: 6,56
